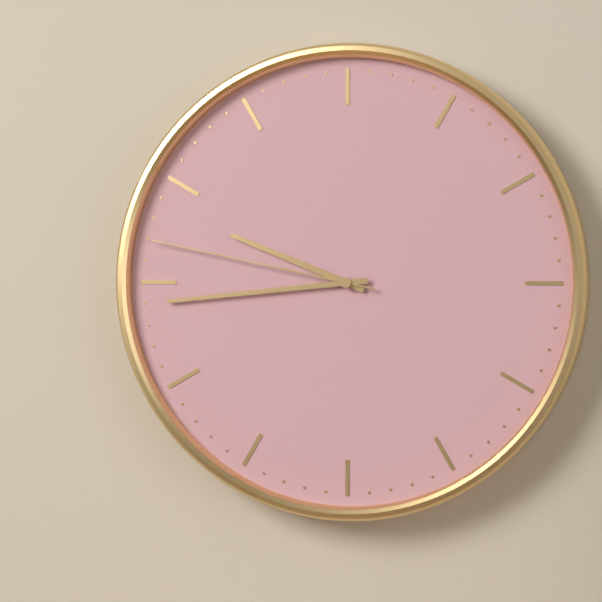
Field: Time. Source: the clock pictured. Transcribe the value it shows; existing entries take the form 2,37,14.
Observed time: 9,44,47
